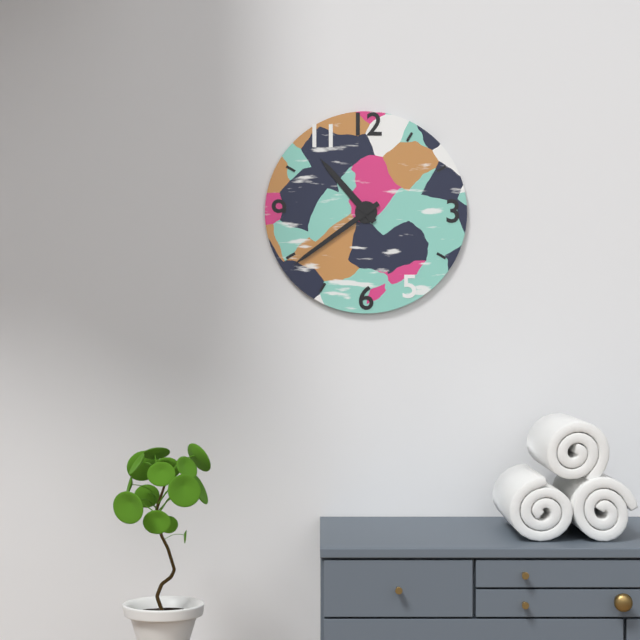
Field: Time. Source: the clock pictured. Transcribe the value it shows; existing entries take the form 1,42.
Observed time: 10,39
